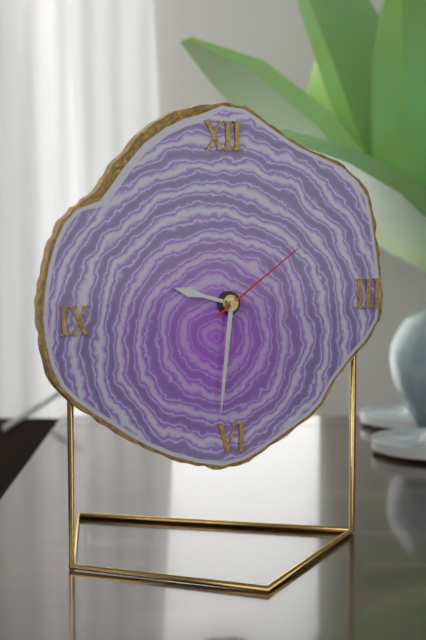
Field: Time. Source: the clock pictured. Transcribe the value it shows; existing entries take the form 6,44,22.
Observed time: 9,31,09
